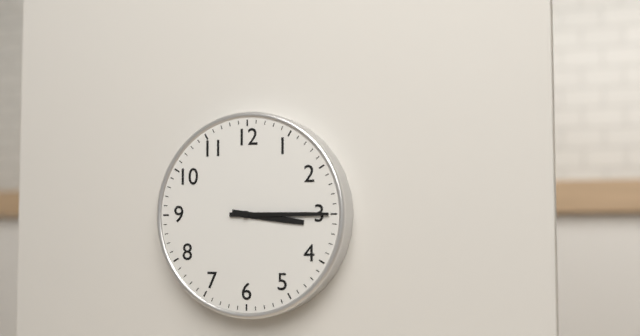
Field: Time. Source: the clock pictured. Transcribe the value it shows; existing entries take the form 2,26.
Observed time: 3,15
